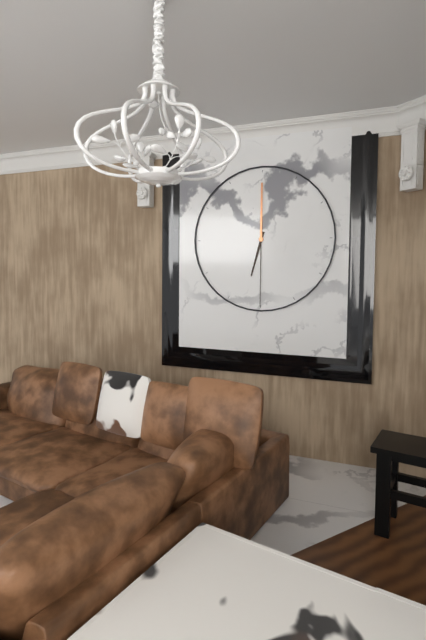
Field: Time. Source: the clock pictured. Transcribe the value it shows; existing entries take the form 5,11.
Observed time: 6,30
